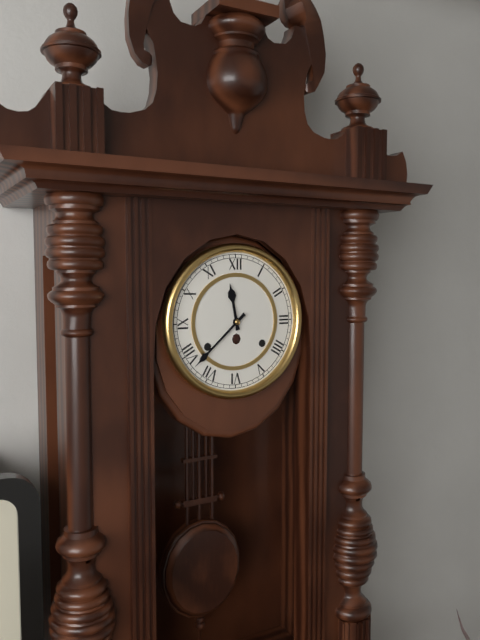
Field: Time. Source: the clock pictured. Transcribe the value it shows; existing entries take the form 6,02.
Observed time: 11,38
